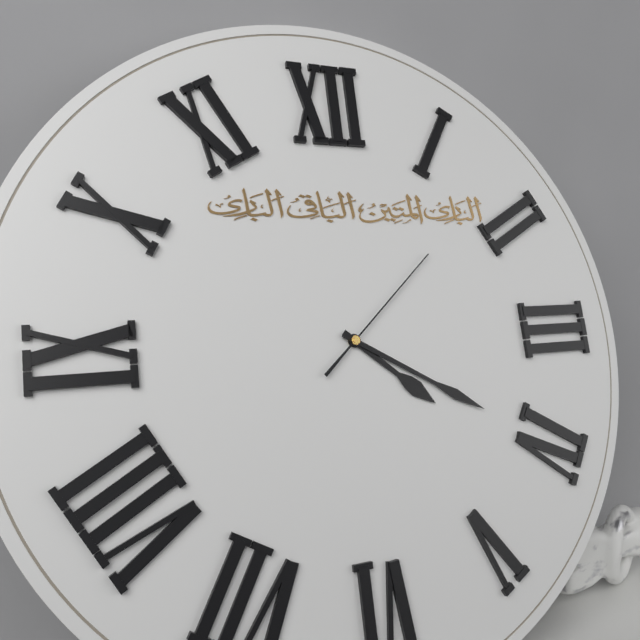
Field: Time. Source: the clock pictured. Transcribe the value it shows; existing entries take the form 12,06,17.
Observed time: 4,20,08
